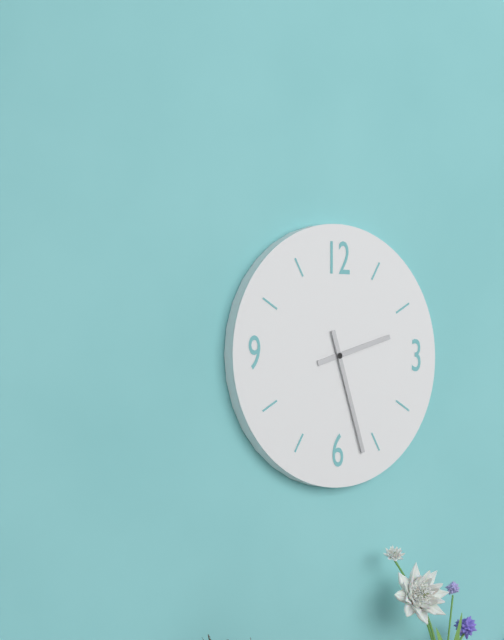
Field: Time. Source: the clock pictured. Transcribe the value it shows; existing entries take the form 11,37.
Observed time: 2,27
